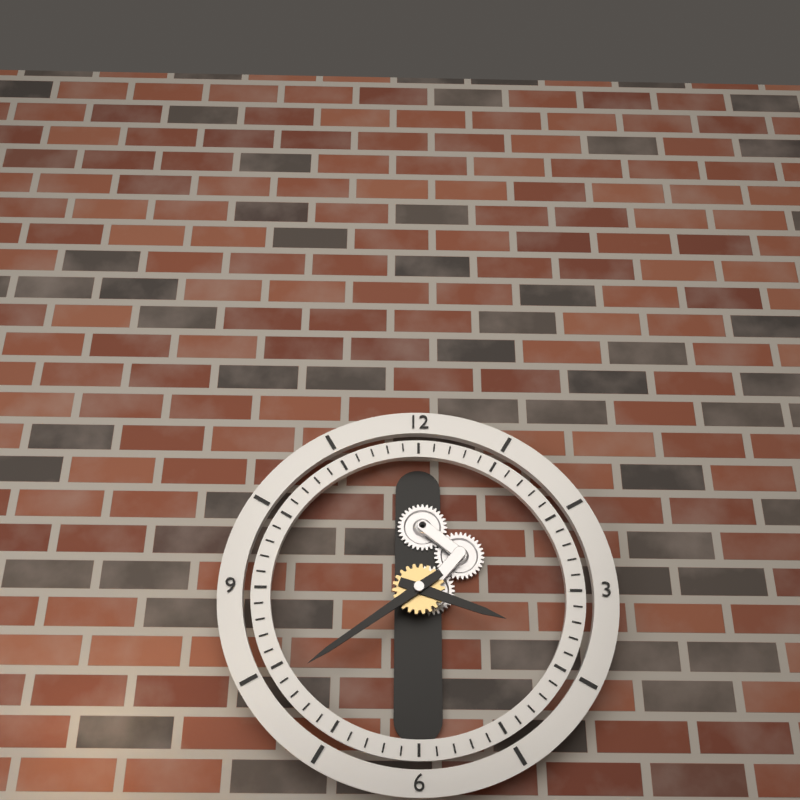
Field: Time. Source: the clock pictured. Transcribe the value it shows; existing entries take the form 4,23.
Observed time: 3,39
